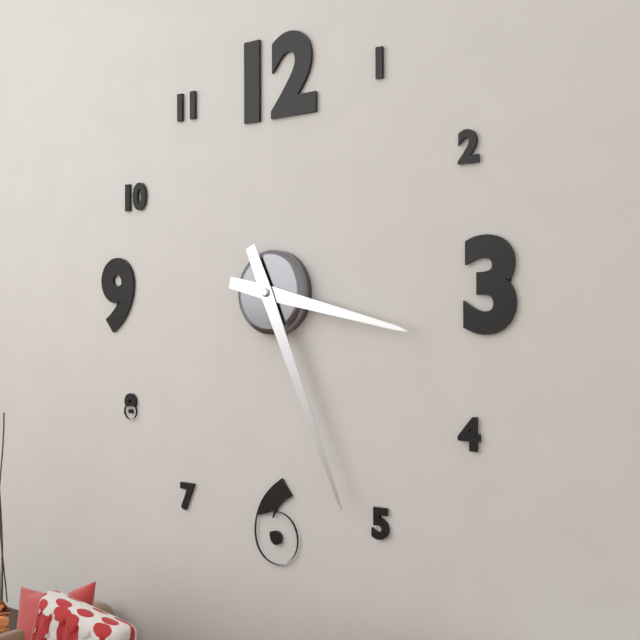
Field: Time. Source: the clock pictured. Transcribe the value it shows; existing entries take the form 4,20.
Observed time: 3,26
